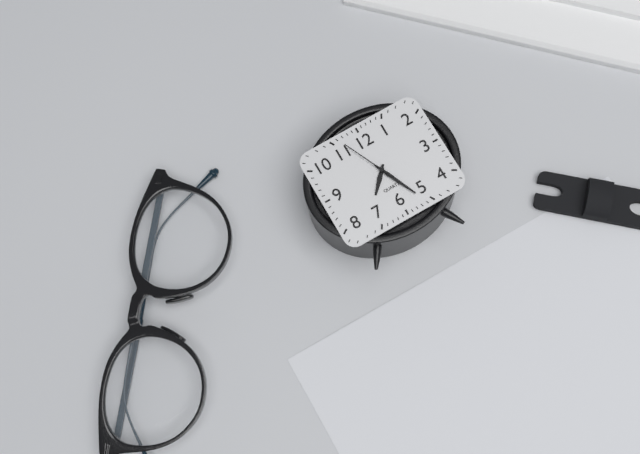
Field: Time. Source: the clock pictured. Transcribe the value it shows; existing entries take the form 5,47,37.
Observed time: 7,26,56
